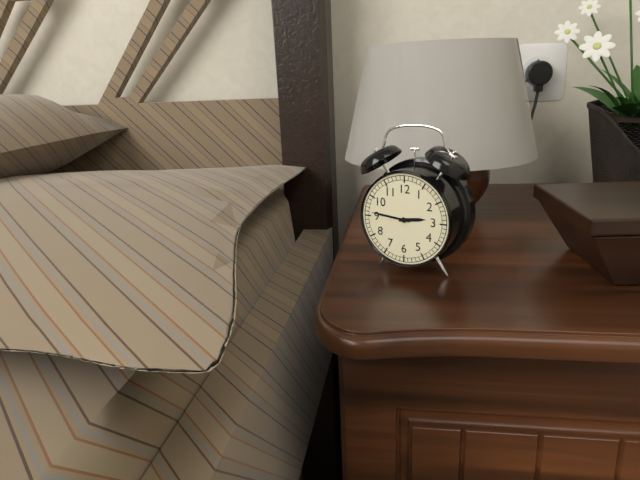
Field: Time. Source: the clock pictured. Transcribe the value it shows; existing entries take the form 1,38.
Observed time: 2,46
